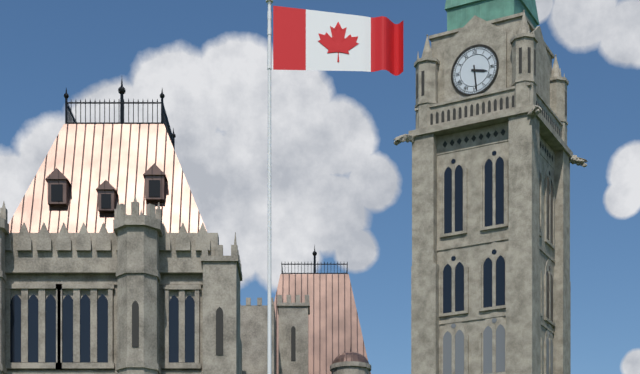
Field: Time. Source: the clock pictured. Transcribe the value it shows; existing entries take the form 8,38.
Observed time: 3,29
